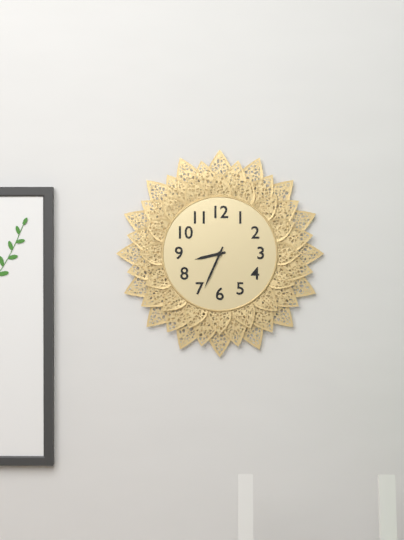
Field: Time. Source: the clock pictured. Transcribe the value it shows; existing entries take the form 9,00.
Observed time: 8,34
